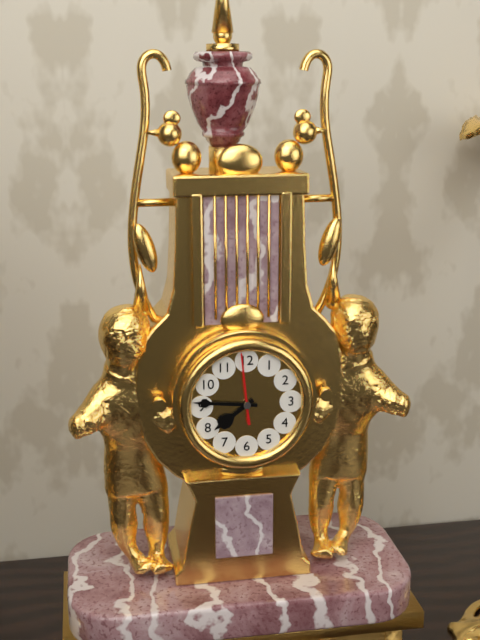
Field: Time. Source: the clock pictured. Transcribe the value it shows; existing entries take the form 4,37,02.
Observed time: 7,46,59
